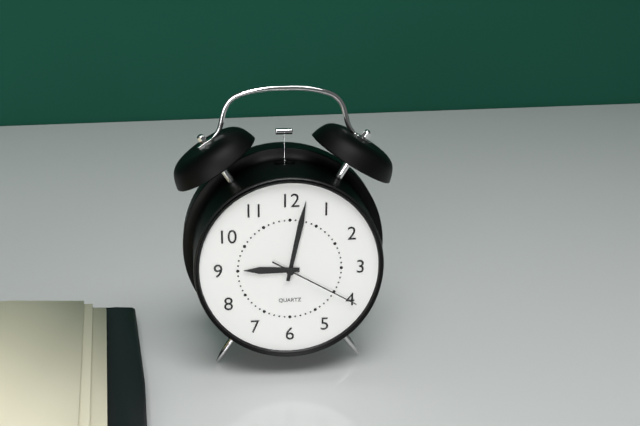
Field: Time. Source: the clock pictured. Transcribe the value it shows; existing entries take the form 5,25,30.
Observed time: 9,02,20
